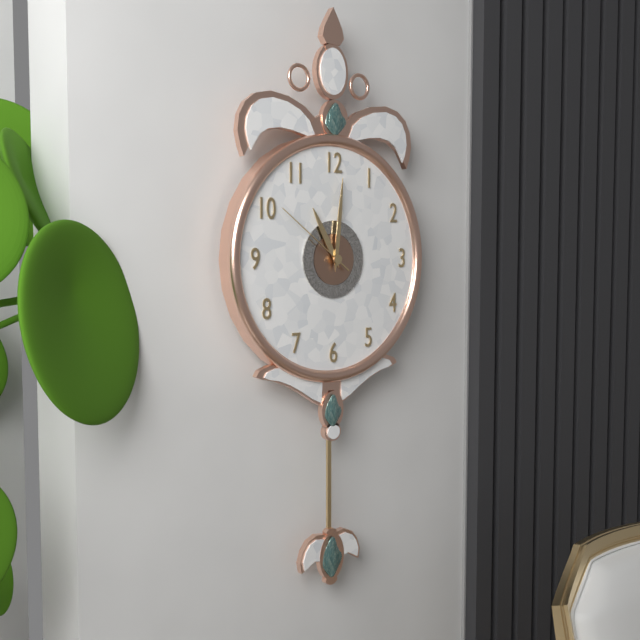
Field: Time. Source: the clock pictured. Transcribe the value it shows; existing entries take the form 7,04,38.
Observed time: 11,01,51
